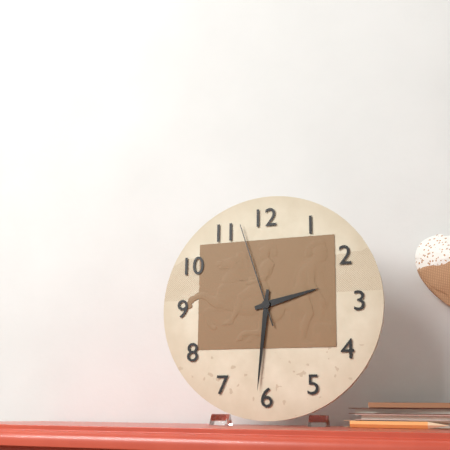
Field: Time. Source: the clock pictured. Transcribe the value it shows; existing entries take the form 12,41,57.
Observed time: 2,31,57
